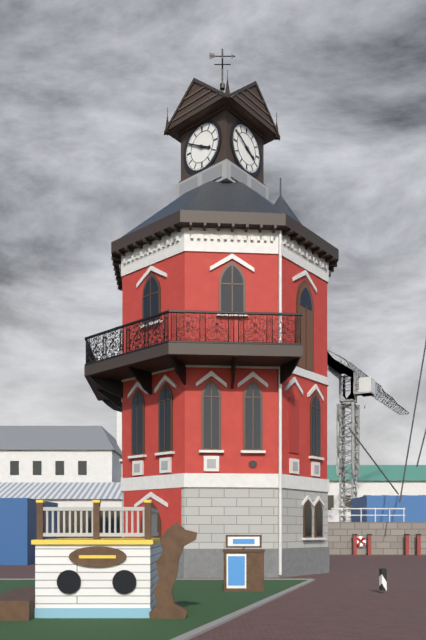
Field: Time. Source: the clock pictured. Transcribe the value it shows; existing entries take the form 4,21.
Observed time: 3,50
